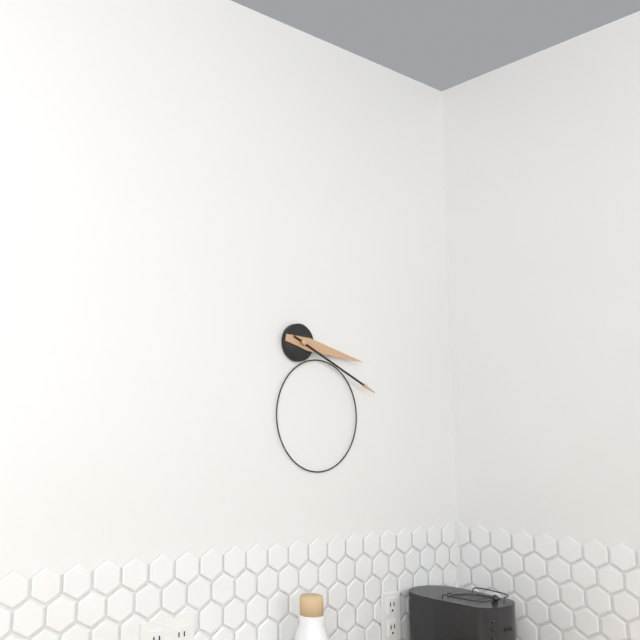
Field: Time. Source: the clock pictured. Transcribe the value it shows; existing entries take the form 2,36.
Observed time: 3,19
